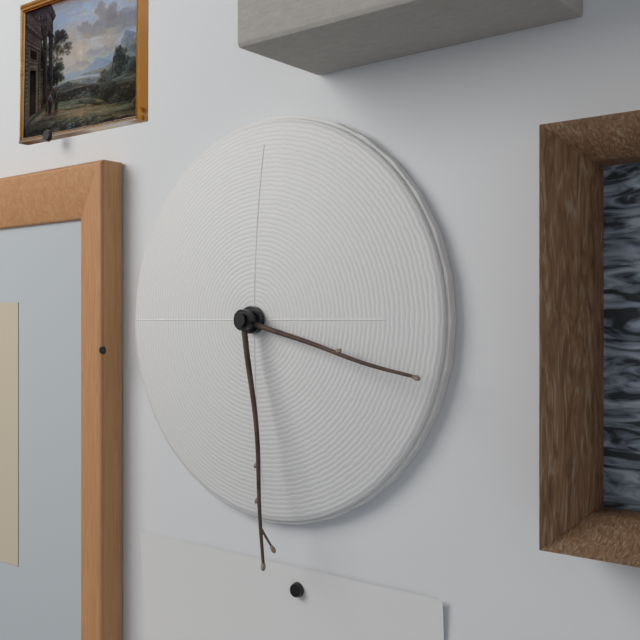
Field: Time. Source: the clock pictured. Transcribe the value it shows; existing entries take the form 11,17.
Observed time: 3,29
